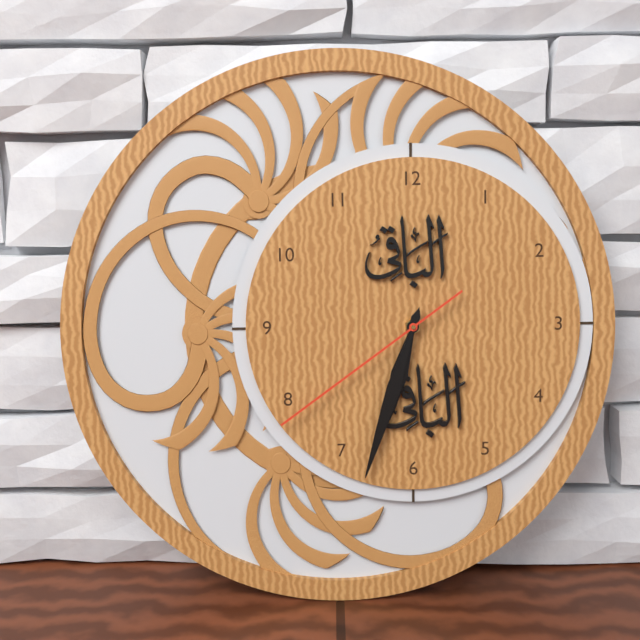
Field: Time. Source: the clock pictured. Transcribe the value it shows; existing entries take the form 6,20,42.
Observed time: 6,33,39
